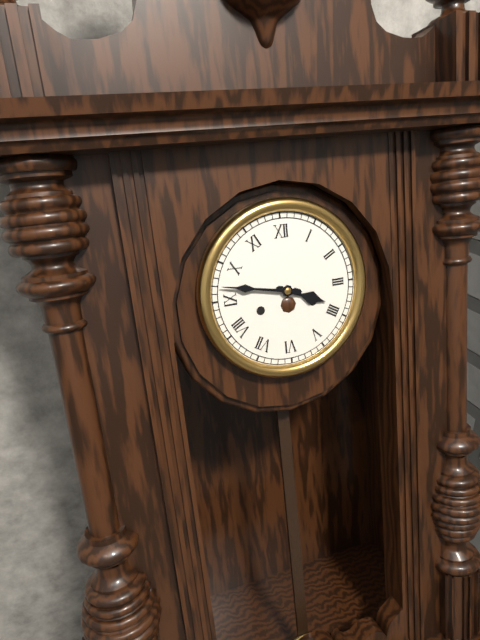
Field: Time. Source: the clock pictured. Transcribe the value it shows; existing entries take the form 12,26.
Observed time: 3,47
